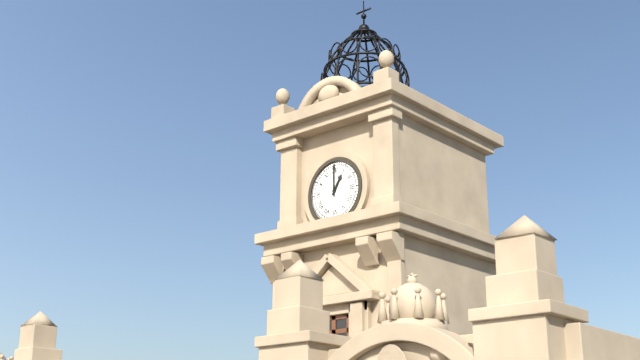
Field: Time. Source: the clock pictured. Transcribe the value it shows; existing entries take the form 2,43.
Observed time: 1,00
